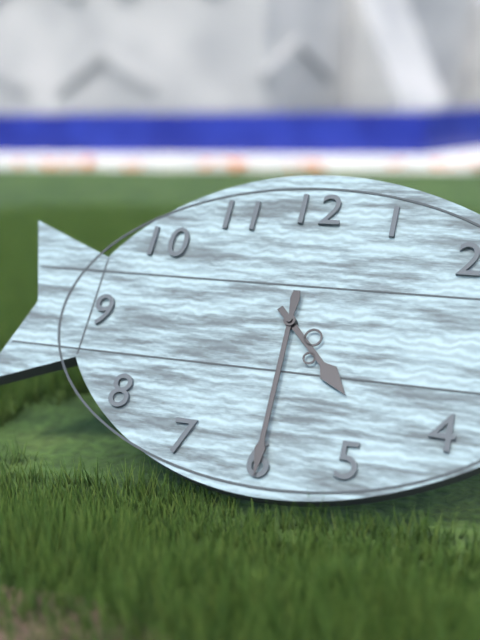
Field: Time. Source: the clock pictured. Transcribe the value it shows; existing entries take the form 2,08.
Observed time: 4,30
